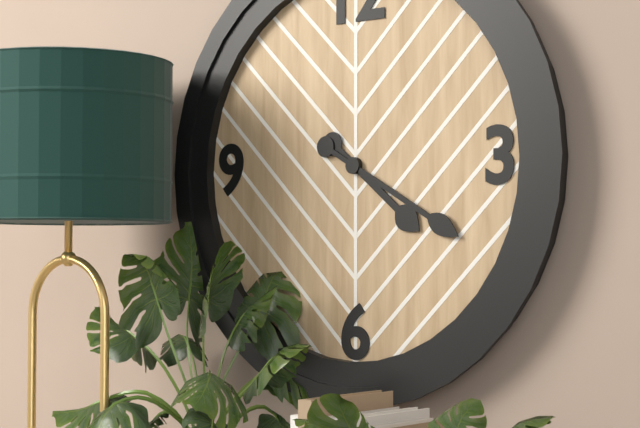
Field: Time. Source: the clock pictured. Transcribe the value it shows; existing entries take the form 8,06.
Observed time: 4,20
